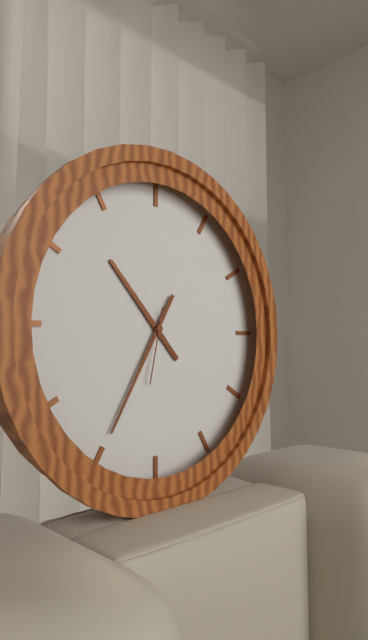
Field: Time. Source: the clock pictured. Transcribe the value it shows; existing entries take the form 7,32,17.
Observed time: 10,35,32
